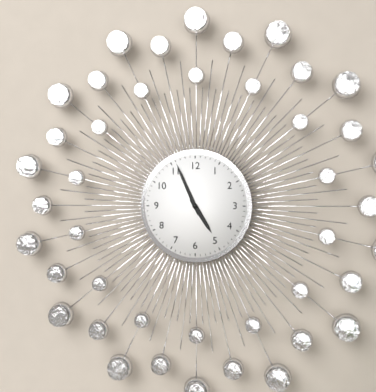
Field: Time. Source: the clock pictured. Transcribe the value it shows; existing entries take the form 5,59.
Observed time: 4,56
